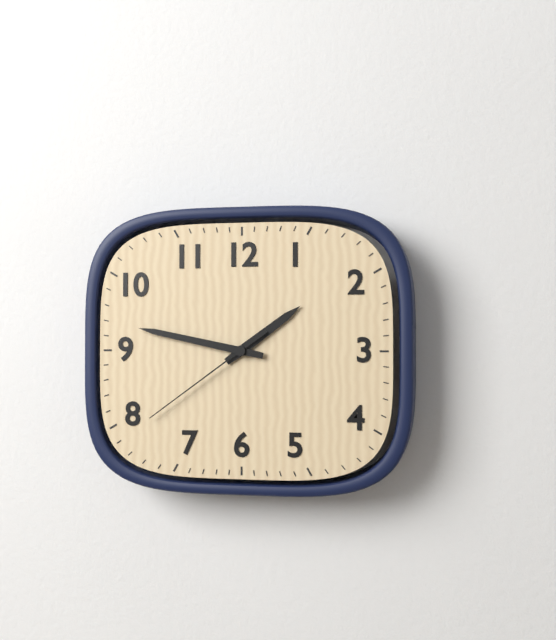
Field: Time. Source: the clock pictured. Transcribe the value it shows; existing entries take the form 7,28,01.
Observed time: 1,47,39
